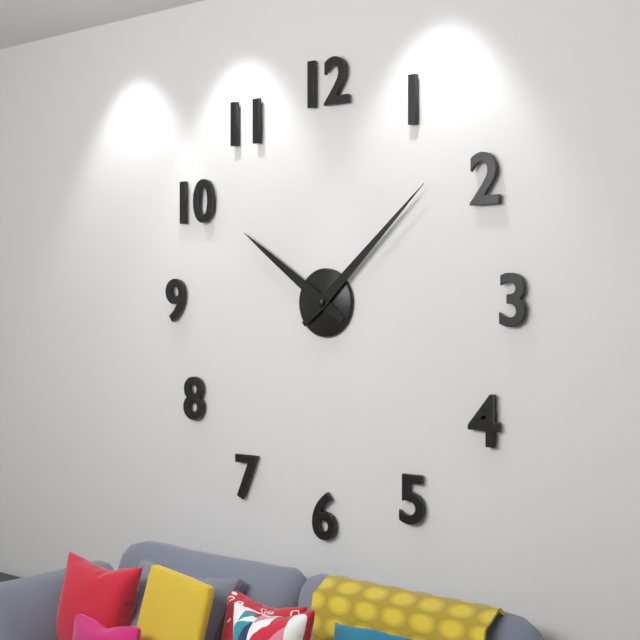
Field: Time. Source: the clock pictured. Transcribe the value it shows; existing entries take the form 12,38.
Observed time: 10,08
